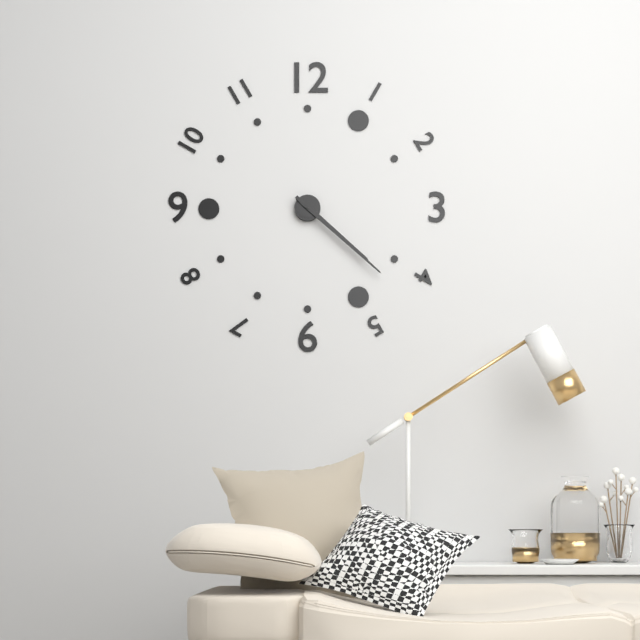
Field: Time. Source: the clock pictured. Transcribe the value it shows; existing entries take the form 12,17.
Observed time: 4,22
